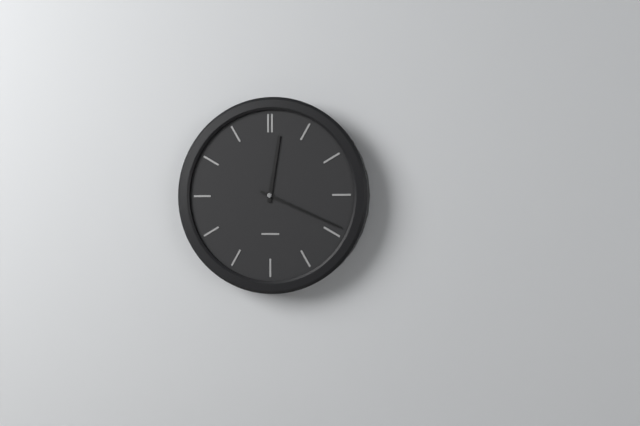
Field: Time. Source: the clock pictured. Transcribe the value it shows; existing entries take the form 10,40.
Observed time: 12,19
